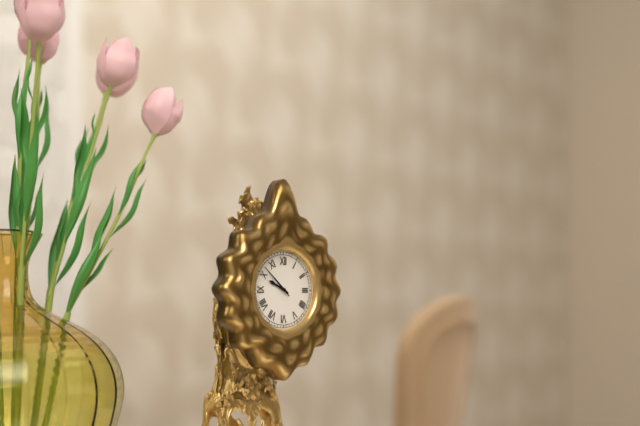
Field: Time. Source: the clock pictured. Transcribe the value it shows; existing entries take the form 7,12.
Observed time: 9,52
